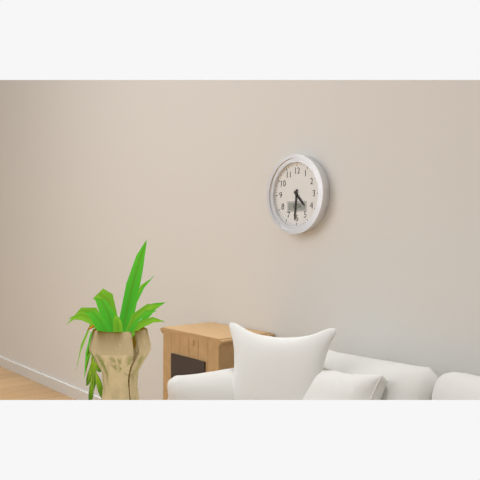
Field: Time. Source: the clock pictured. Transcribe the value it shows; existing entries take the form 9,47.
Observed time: 4,31
